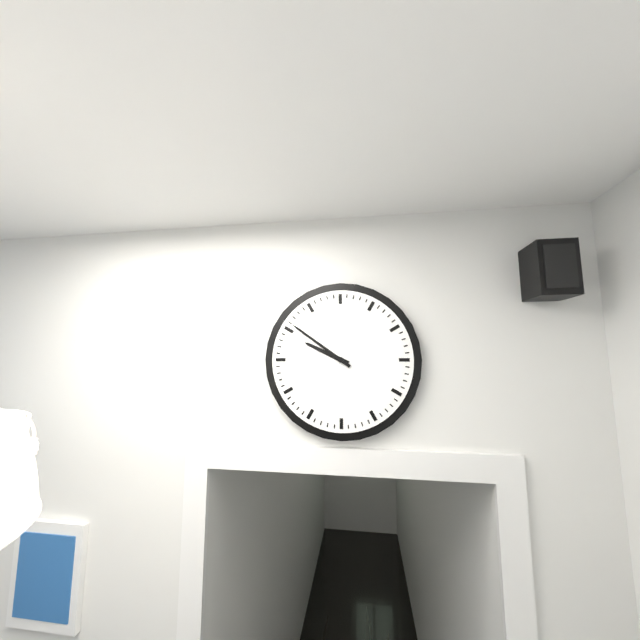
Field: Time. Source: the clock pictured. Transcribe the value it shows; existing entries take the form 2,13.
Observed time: 9,51
